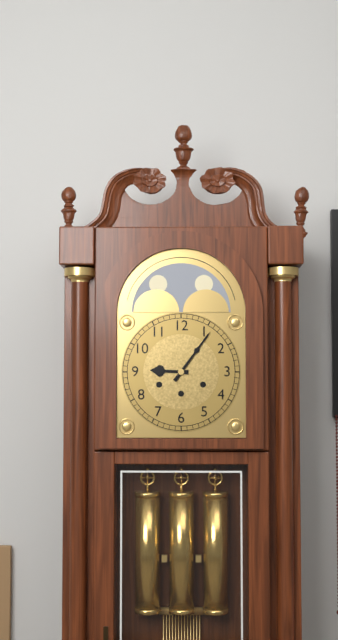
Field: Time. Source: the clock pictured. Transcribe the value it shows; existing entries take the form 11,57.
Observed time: 9,06
